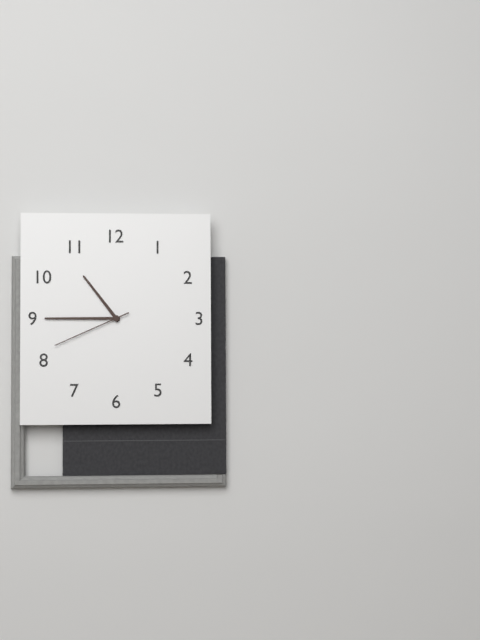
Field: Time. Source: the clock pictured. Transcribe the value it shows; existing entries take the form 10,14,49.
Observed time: 10,45,41
